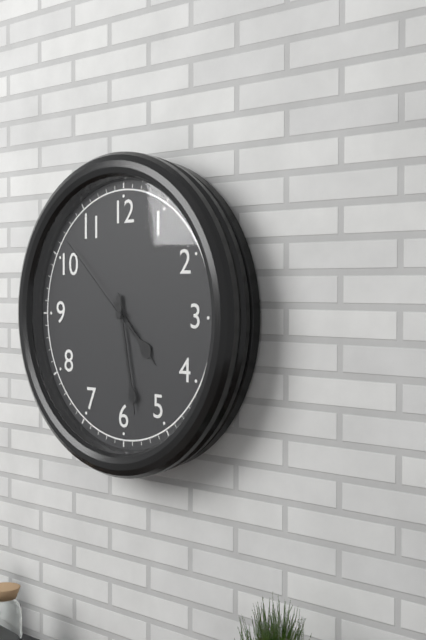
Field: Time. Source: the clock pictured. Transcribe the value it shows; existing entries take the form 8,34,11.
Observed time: 4,28,52
